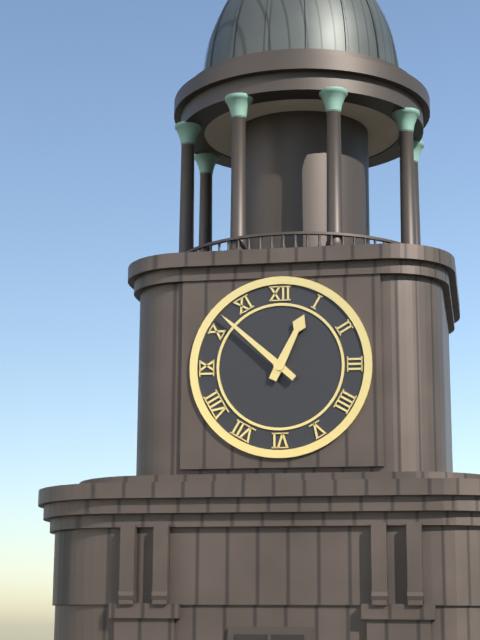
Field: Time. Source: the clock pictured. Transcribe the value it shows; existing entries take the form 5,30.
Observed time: 12,52
